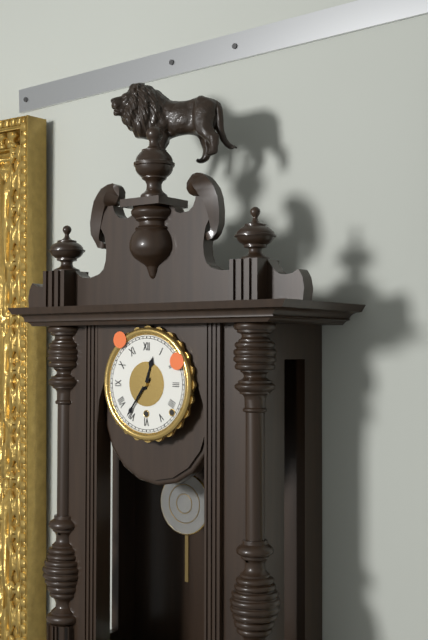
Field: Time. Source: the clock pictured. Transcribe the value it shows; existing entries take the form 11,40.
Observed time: 12,36
